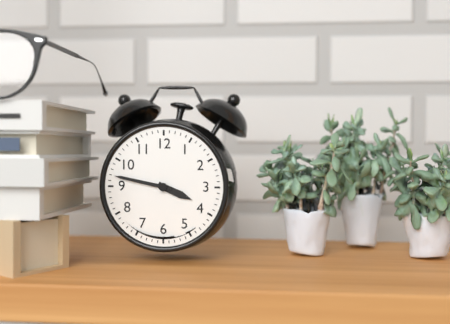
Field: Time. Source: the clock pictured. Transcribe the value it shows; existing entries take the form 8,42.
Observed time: 3,47
